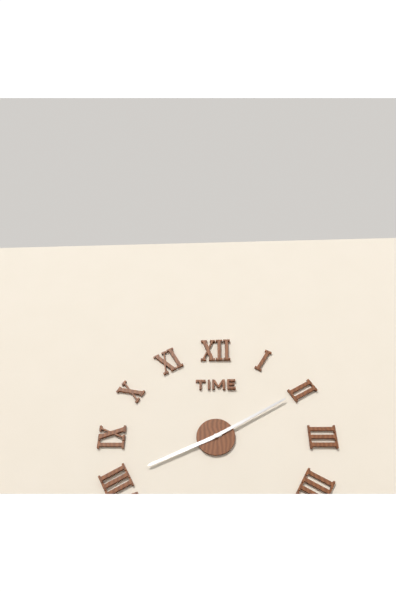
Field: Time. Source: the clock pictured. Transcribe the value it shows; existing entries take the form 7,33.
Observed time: 8,10
